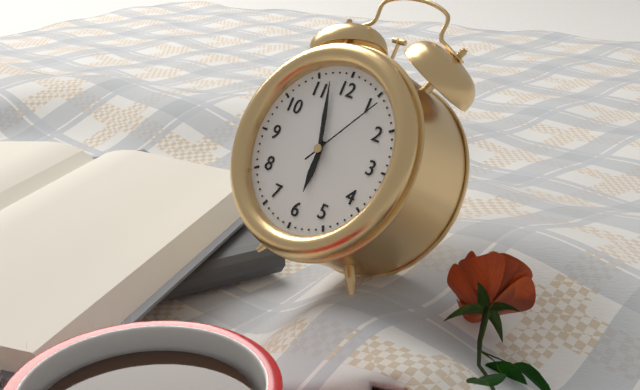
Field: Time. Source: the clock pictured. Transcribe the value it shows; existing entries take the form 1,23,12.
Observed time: 5,57,06
